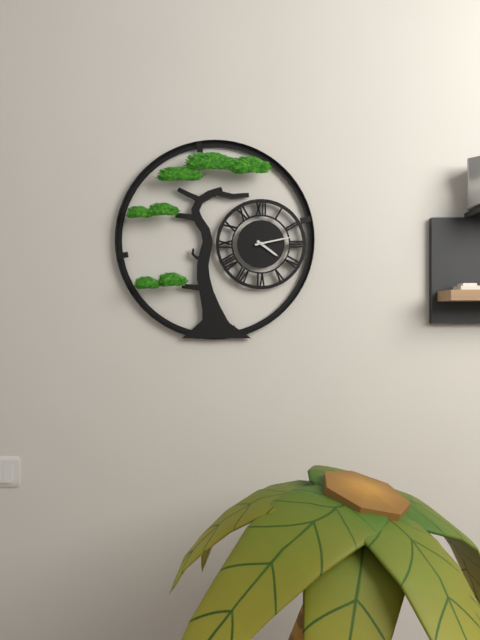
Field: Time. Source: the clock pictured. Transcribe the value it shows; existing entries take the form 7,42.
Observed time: 4,13
